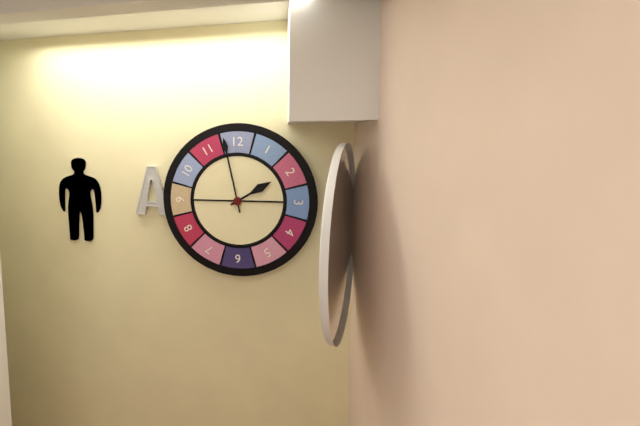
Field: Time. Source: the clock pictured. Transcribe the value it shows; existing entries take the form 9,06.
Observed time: 1,58
